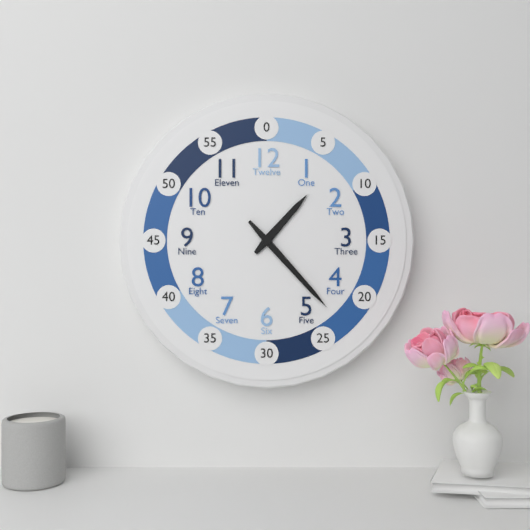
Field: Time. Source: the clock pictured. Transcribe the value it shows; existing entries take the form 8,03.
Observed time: 1,23
